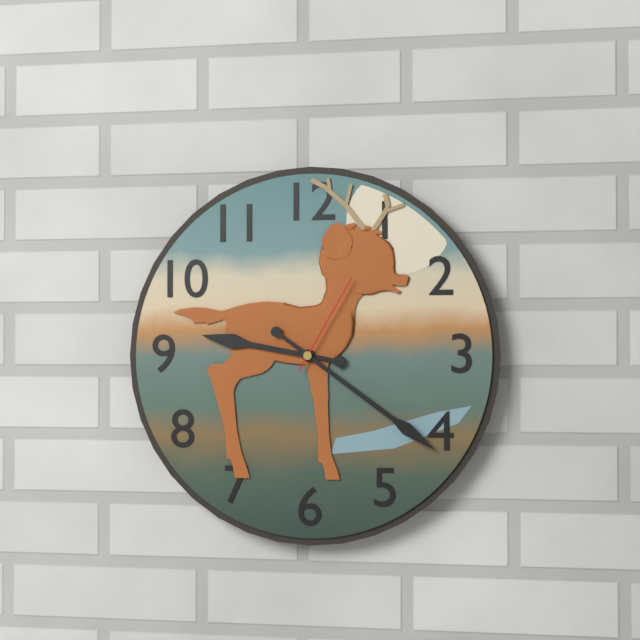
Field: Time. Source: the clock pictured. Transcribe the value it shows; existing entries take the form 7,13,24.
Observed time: 9,21,05
